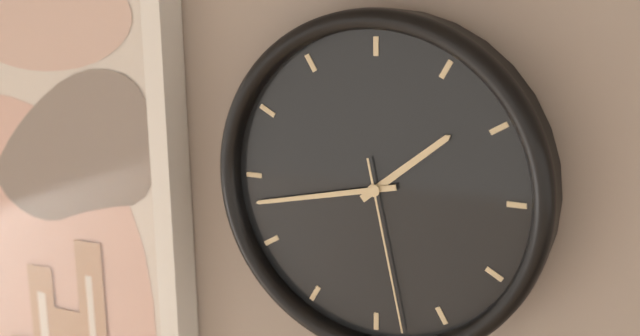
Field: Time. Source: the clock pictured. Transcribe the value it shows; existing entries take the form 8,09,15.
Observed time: 1,43,28
